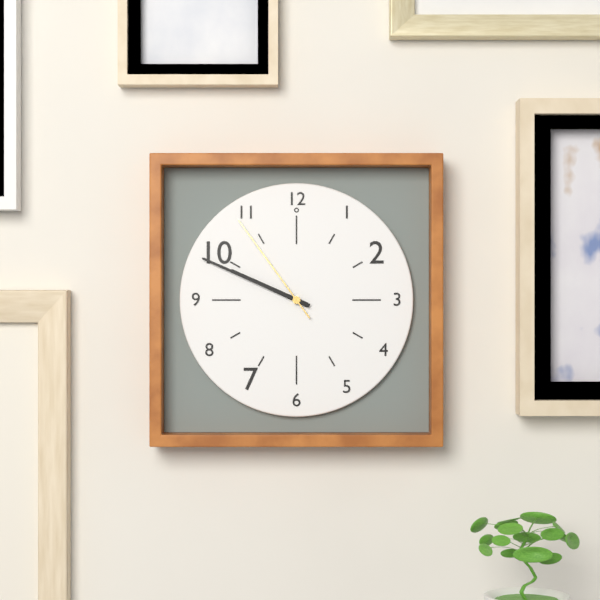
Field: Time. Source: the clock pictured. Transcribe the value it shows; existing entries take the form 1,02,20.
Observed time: 9,49,54
